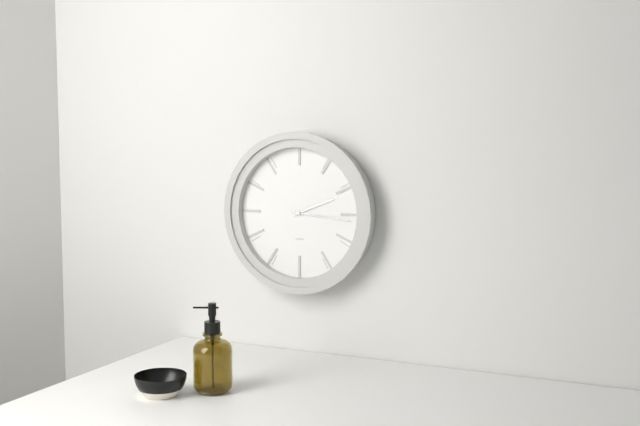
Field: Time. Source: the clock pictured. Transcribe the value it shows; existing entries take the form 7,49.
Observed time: 2,16
